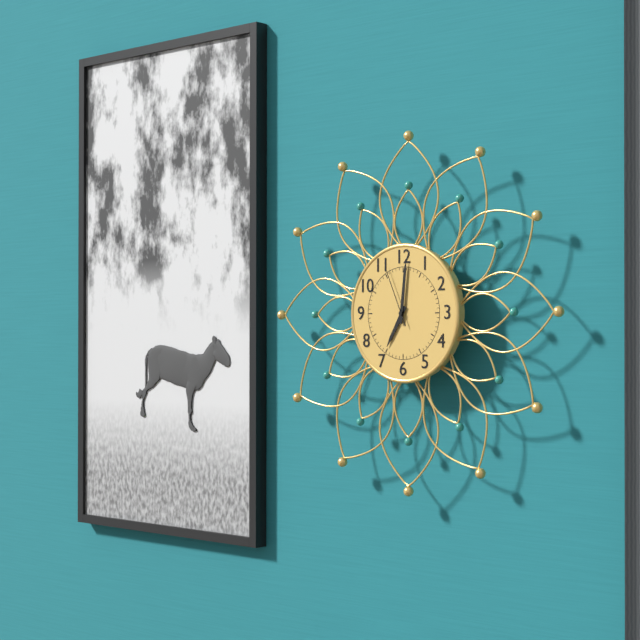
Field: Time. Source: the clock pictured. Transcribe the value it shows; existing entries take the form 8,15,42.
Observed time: 7,01,56
